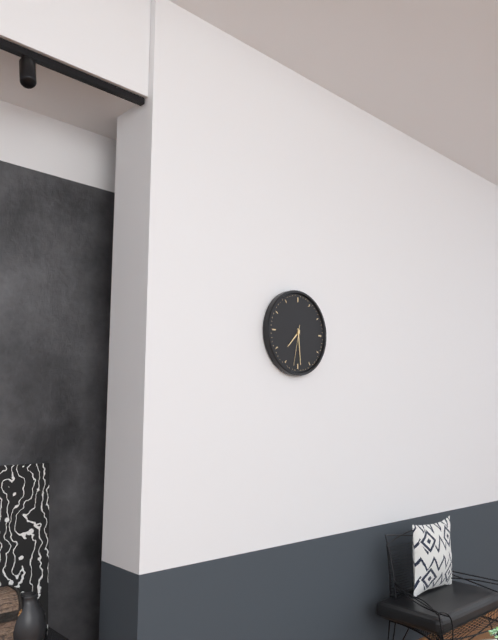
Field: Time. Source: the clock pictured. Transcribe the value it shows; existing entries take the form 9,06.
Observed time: 7,29
